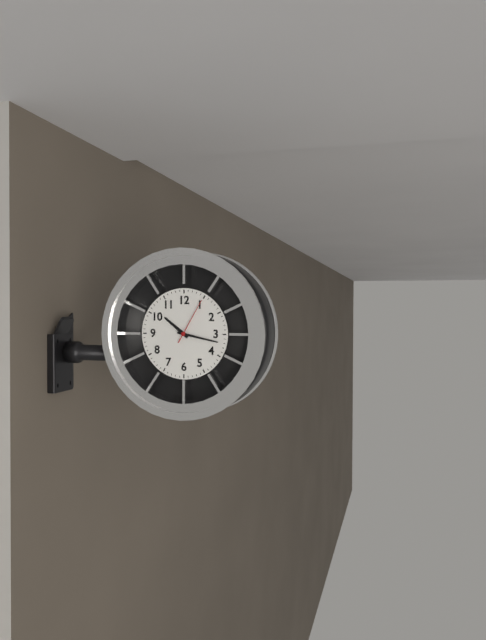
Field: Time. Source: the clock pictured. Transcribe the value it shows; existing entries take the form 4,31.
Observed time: 10,17
